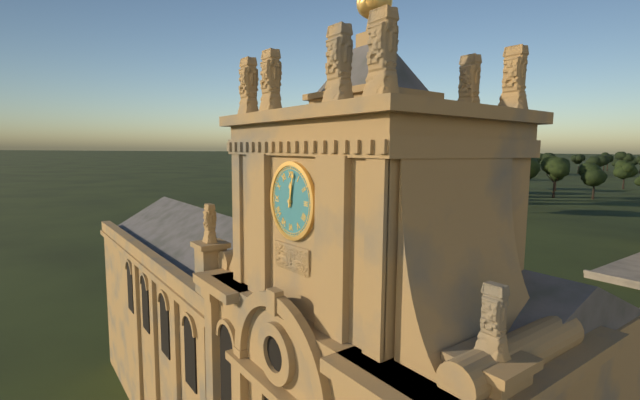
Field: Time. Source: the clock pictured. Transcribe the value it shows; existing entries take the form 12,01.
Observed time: 12,02
